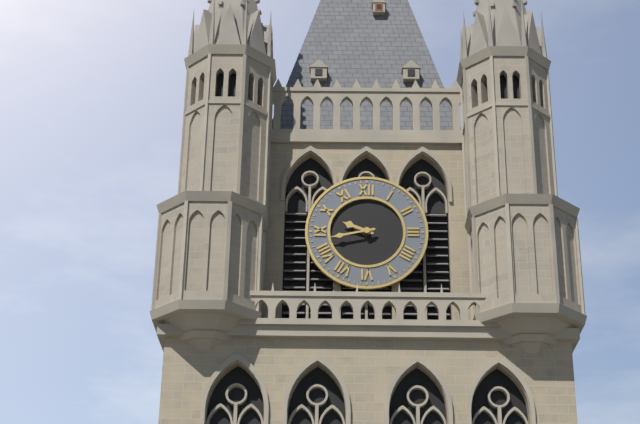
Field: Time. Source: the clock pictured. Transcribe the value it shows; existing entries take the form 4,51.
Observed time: 9,43
